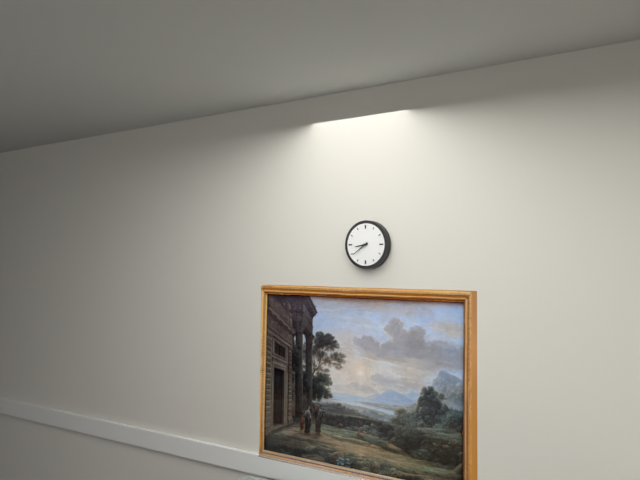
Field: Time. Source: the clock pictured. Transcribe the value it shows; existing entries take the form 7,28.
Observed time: 8,39
